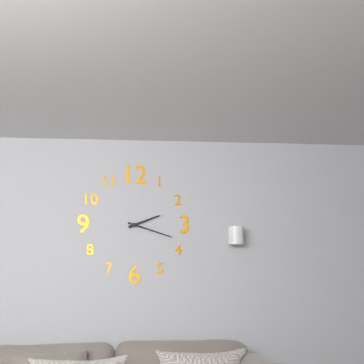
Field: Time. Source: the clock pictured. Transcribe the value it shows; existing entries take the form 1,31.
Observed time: 2,18
